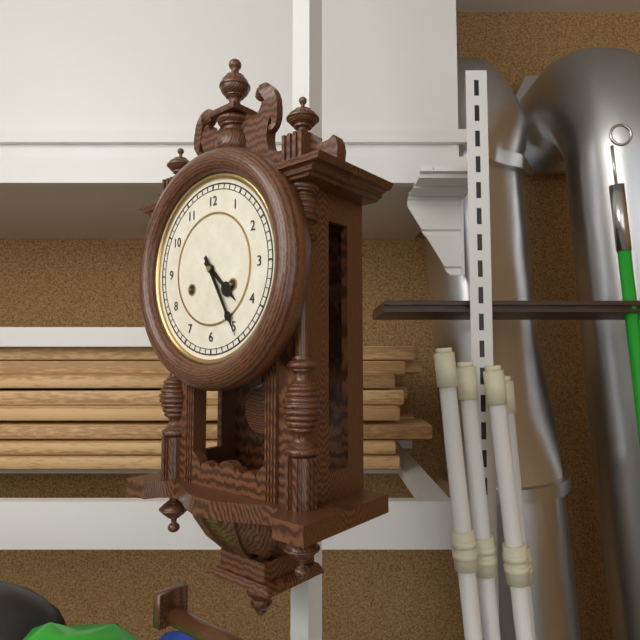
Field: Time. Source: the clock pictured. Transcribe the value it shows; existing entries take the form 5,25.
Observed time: 4,25
